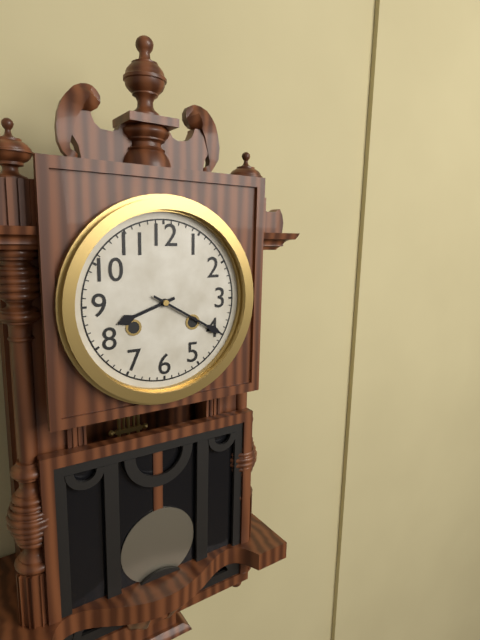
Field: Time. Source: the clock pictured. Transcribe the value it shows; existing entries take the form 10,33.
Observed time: 8,20
